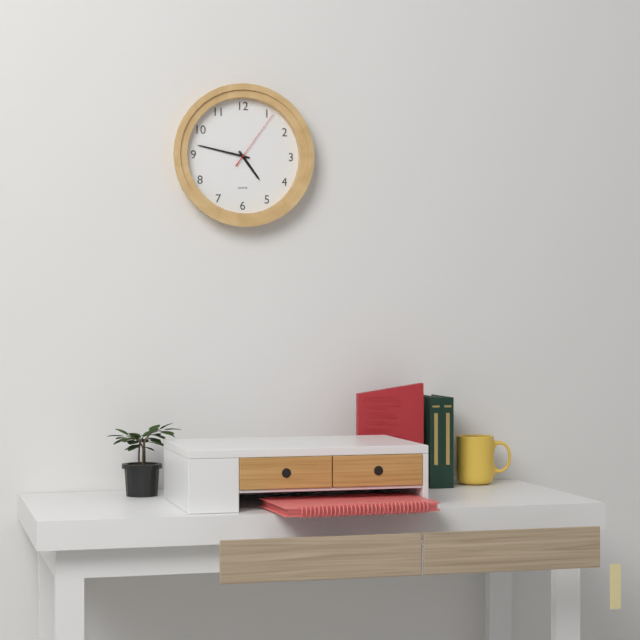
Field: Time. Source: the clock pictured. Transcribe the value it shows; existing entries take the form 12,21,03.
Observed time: 4,47,06
